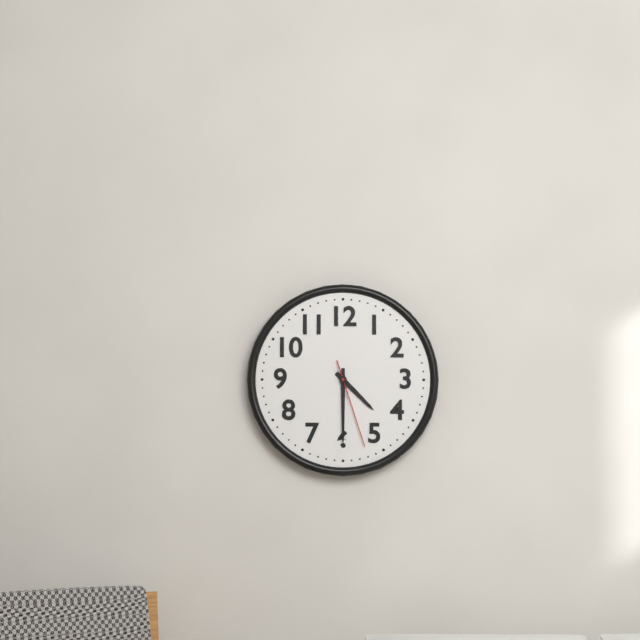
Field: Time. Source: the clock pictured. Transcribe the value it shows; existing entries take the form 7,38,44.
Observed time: 4,30,27
